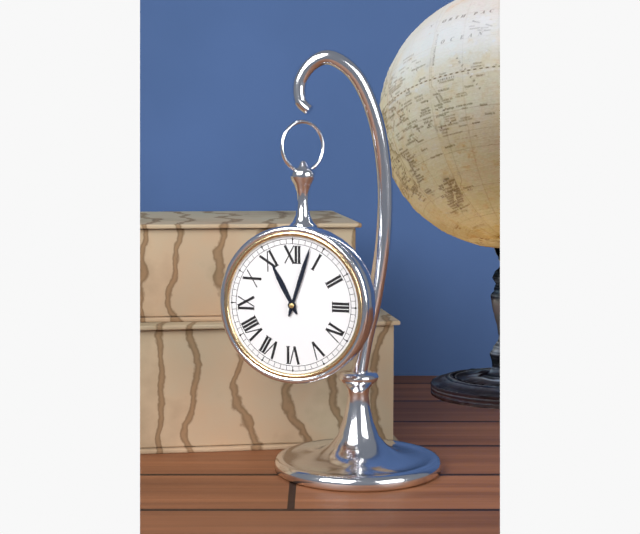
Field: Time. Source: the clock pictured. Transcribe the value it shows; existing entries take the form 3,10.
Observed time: 11,03
